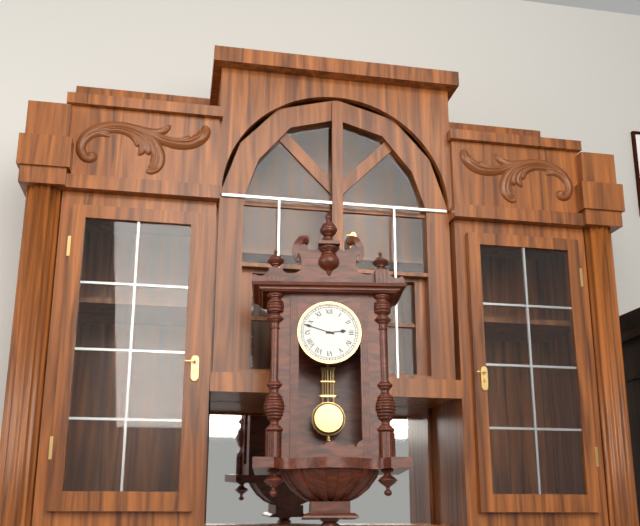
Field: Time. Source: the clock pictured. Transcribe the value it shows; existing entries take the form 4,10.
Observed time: 2,48
